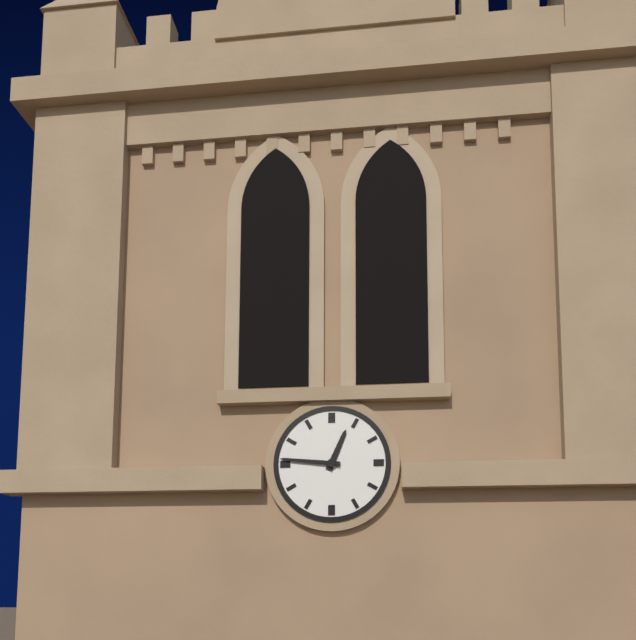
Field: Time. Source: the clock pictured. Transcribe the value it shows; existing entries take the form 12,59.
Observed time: 12,46
